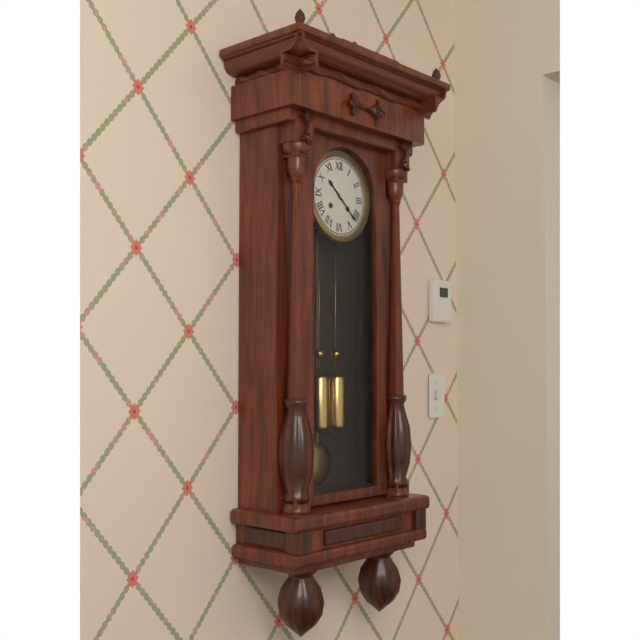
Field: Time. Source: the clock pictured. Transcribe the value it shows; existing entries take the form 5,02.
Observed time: 10,22
